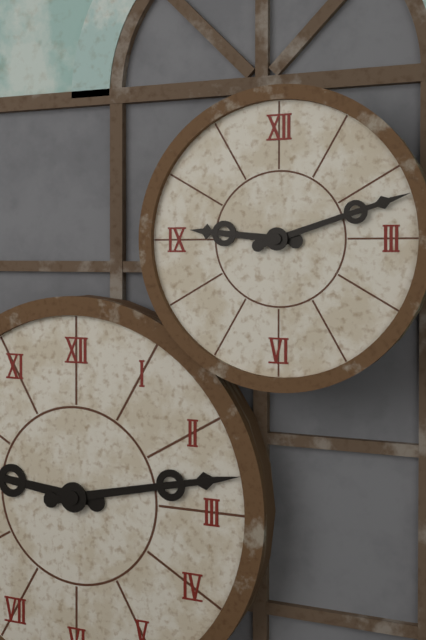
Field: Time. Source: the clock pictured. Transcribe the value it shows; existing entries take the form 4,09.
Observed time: 9,12
